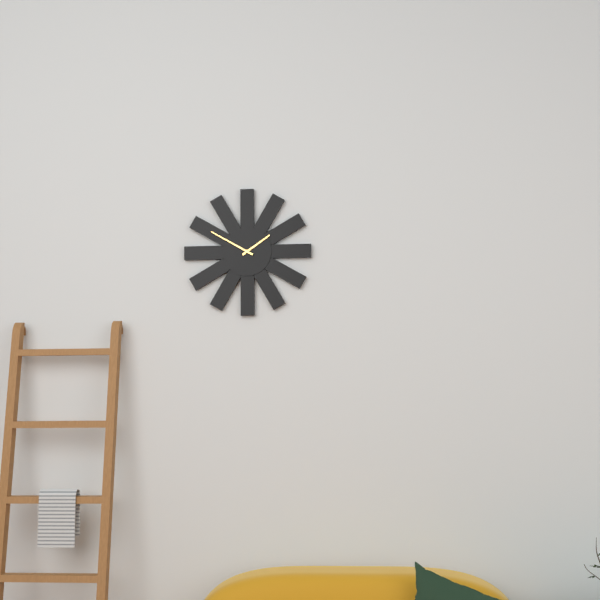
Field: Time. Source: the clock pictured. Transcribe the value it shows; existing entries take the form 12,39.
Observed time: 1,50
